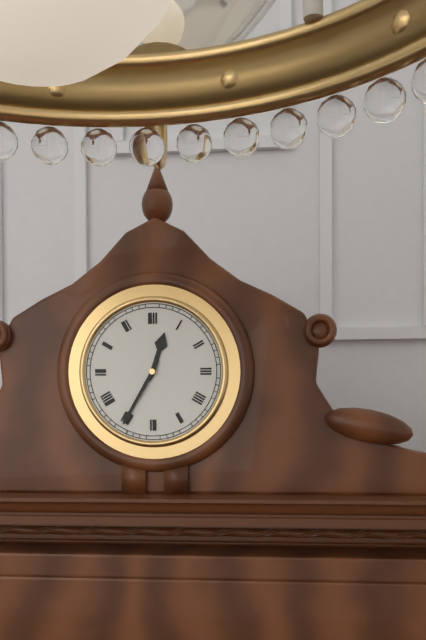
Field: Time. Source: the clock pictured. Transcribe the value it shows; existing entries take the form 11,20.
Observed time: 12,35
